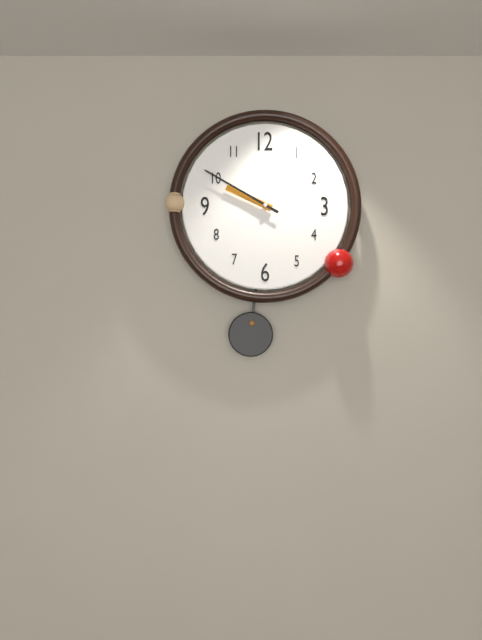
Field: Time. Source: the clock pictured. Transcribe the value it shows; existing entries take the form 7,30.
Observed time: 9,50
